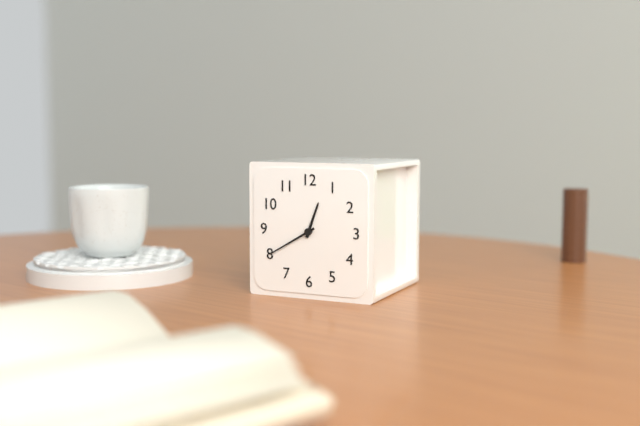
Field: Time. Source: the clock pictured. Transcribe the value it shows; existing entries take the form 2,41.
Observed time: 12,40
